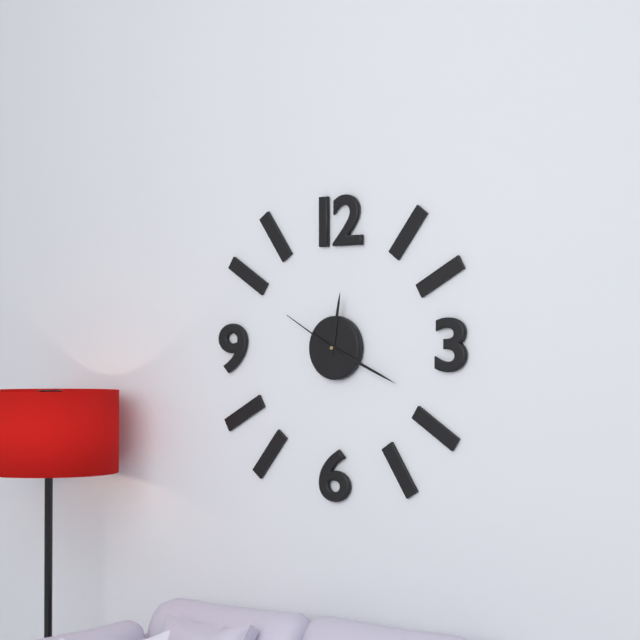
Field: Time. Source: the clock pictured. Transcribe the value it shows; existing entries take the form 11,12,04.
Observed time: 12,19,50
